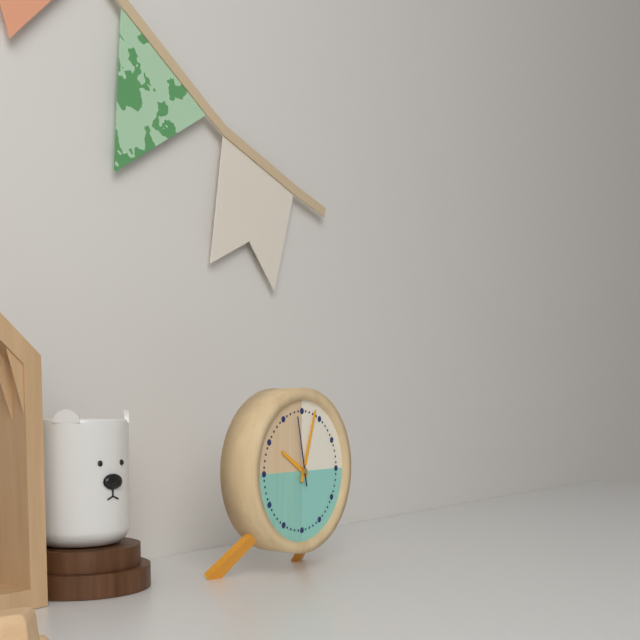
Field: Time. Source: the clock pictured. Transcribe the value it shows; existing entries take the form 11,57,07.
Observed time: 10,03,58
